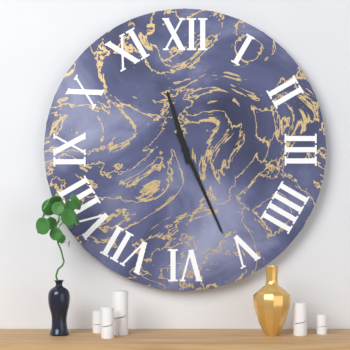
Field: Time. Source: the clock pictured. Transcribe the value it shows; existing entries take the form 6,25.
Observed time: 11,26
